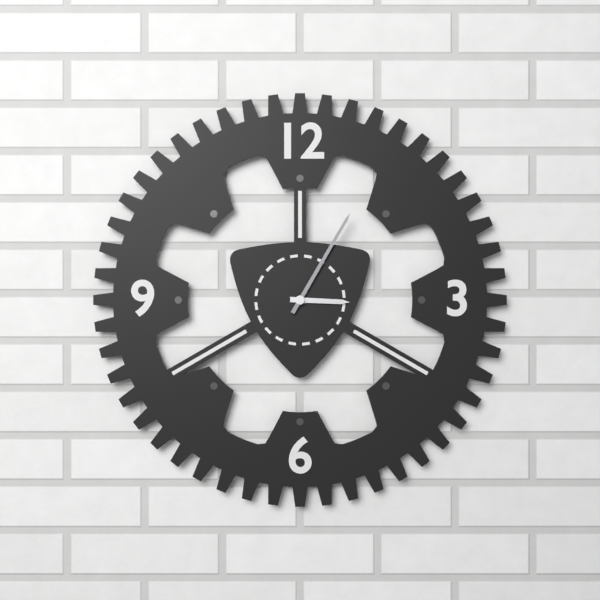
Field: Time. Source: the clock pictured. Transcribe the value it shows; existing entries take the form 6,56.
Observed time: 3,05
